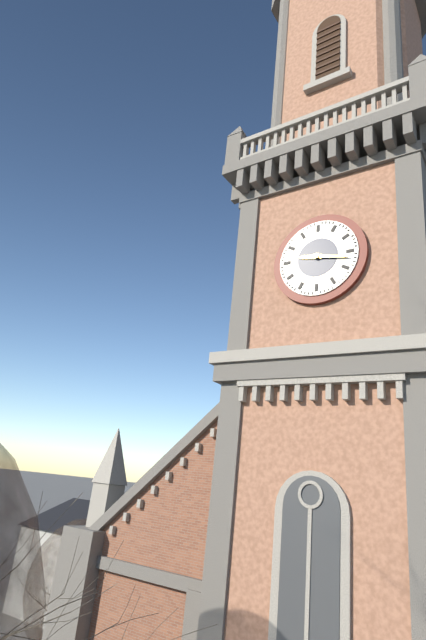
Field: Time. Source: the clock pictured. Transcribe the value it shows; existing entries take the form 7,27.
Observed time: 9,17
